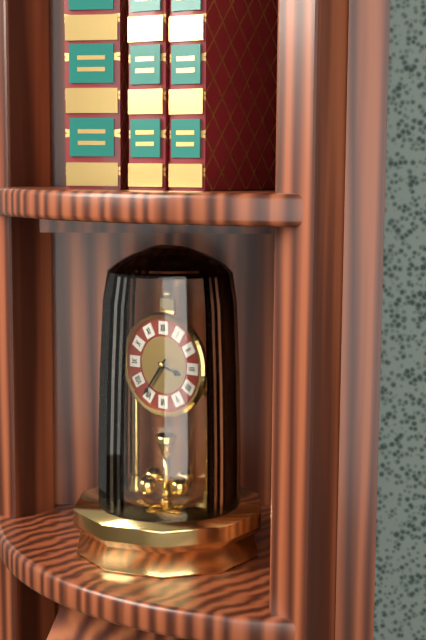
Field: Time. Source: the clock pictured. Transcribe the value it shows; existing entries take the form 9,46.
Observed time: 3,36
